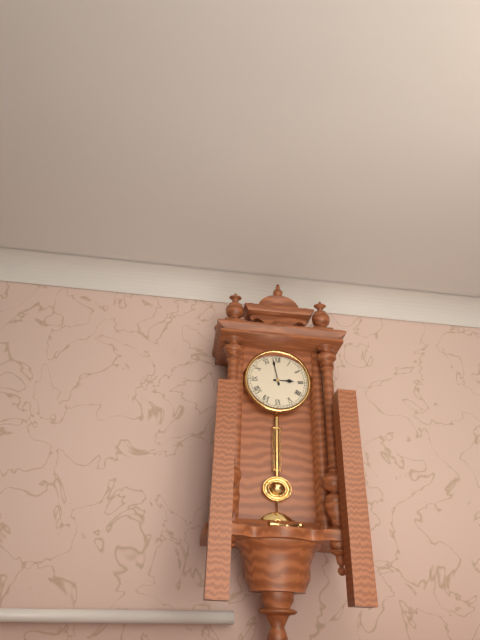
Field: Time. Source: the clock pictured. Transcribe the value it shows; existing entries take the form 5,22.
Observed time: 2,58
